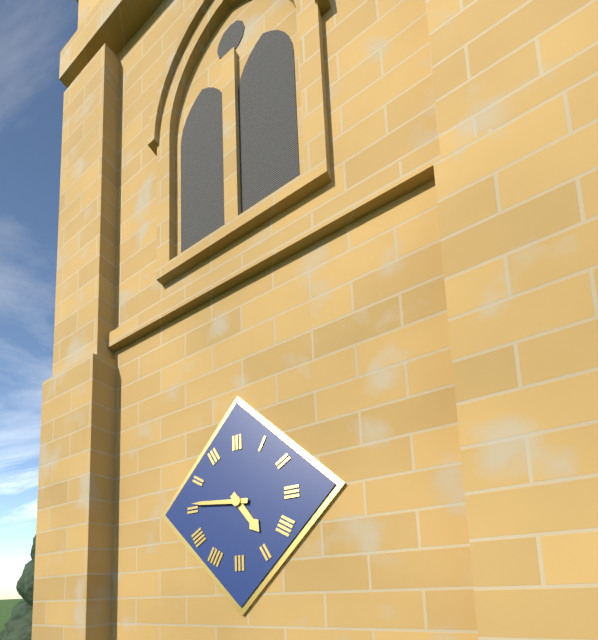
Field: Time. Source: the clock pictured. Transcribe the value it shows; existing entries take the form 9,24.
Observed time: 4,46
